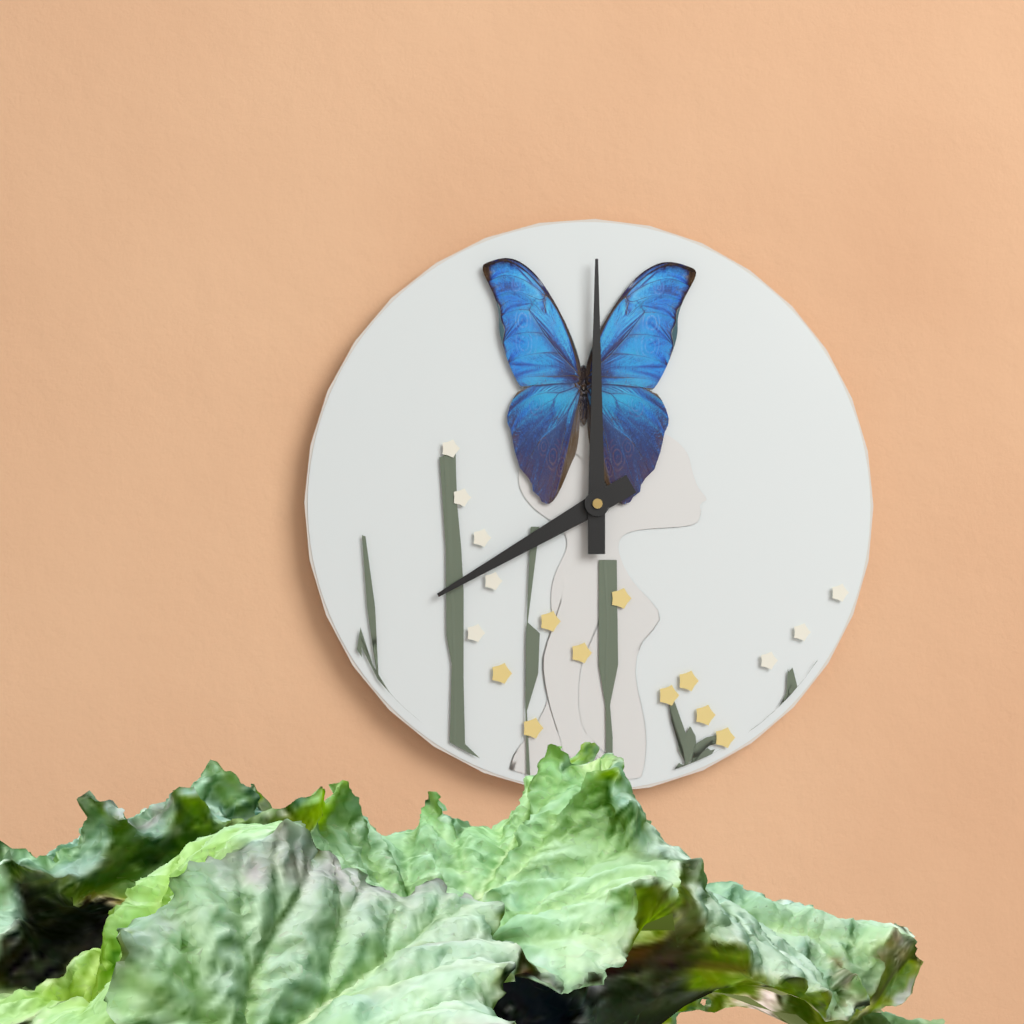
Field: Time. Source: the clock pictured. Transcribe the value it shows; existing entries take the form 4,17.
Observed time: 8,00
